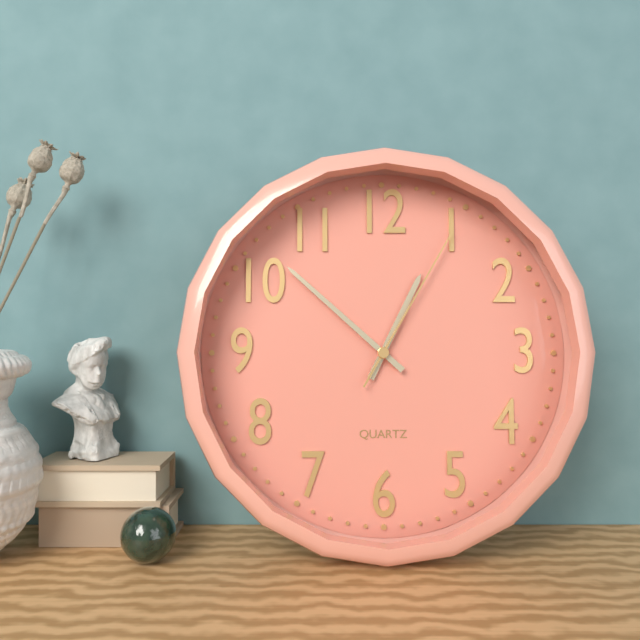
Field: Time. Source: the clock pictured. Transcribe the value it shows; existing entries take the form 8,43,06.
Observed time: 12,52,05
